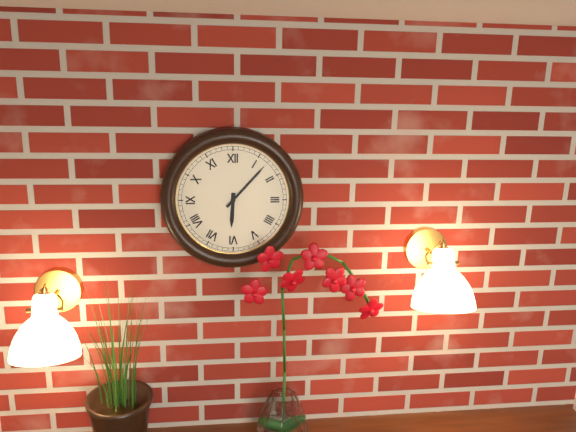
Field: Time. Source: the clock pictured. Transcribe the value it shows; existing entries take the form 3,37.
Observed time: 6,07
